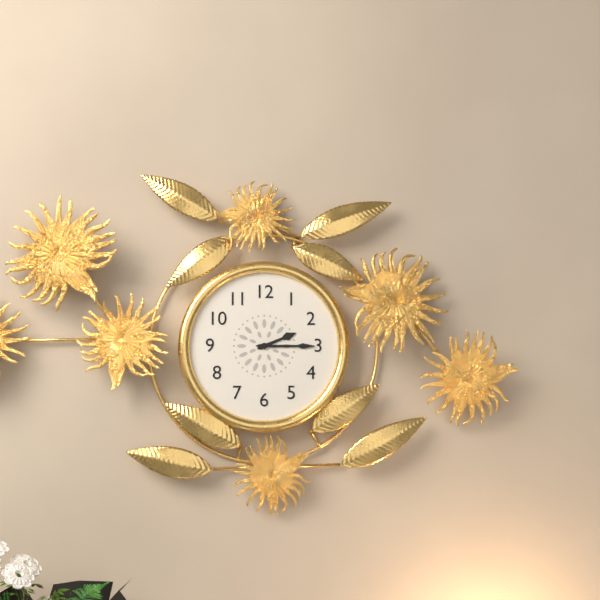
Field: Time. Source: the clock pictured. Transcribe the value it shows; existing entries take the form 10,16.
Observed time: 2,15
